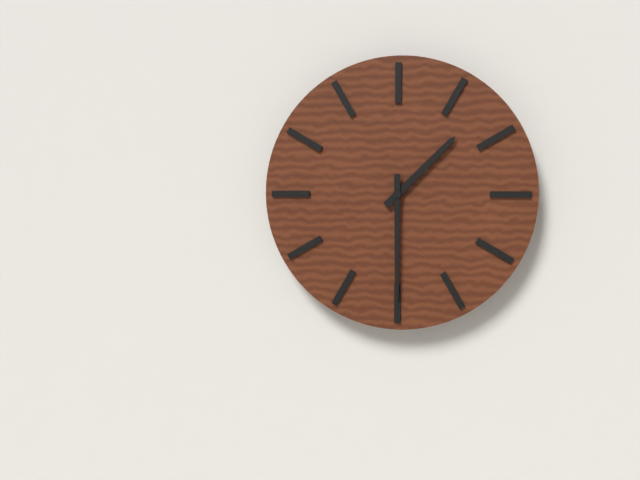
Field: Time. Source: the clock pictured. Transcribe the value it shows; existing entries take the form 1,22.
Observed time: 1,30
